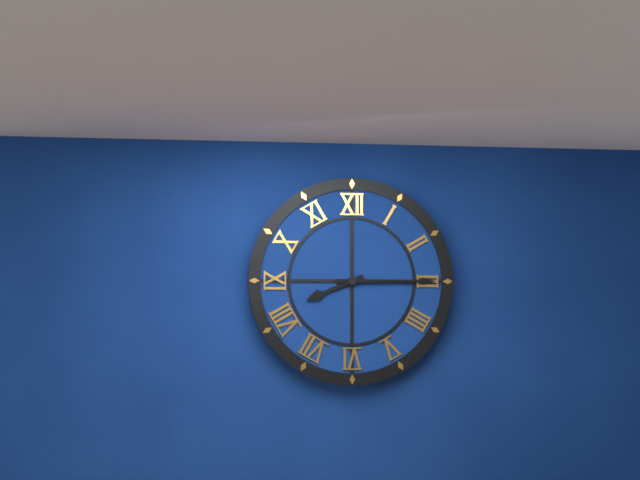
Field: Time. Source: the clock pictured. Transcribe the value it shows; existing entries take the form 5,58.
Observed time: 8,15
